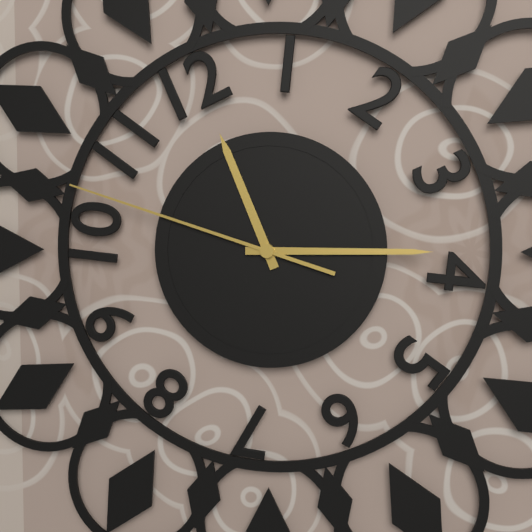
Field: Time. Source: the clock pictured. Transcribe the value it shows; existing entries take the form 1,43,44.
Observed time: 11,15,48
